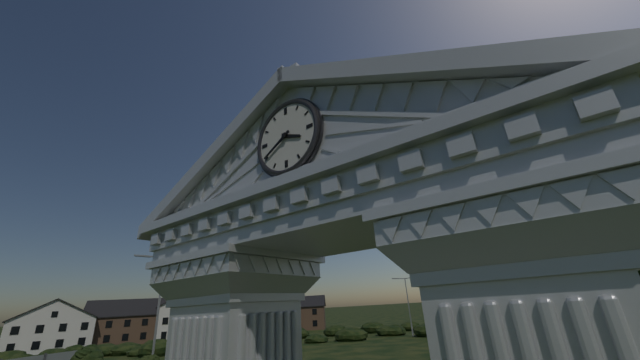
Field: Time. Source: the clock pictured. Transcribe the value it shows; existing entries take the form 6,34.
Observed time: 3,40
